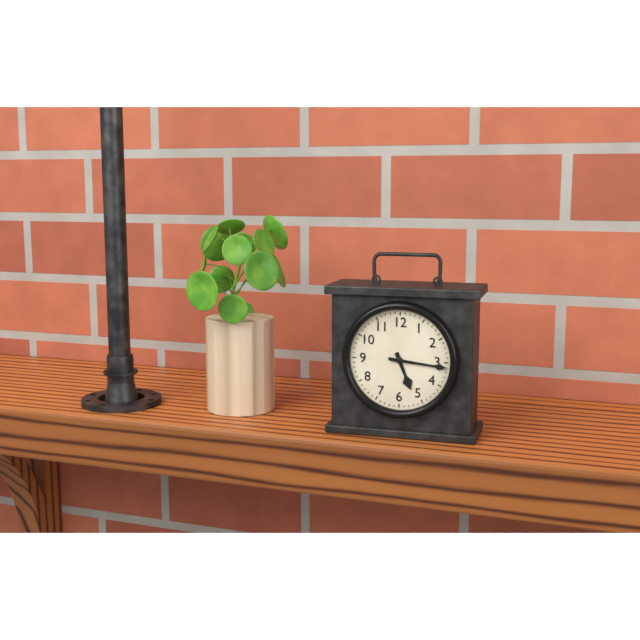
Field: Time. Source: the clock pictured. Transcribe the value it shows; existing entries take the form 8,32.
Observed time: 5,16
